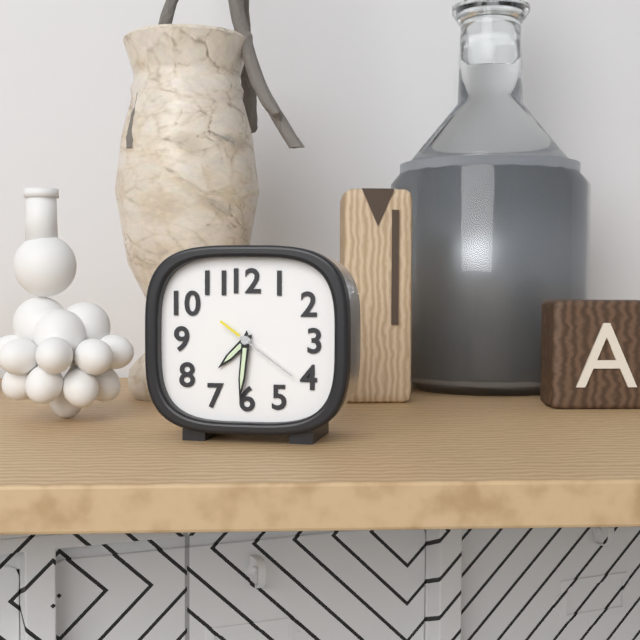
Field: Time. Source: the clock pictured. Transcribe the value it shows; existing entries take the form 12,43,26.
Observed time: 7,31,21
